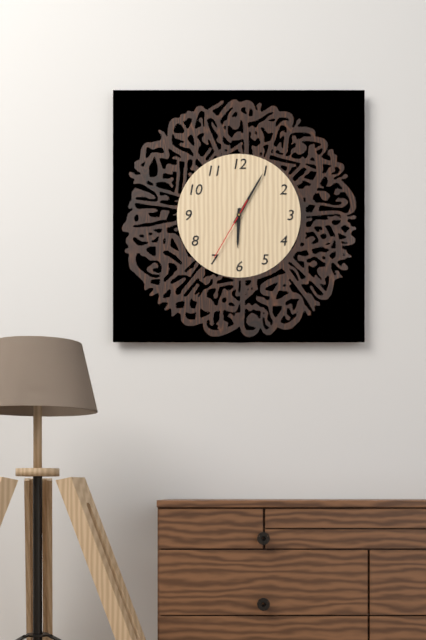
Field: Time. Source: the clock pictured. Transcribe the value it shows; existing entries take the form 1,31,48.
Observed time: 6,05,35
